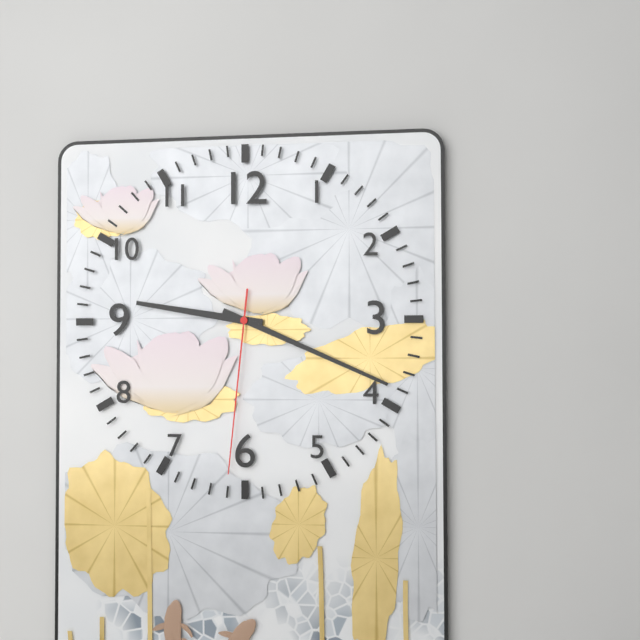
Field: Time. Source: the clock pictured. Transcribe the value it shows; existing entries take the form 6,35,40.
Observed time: 9,19,31
